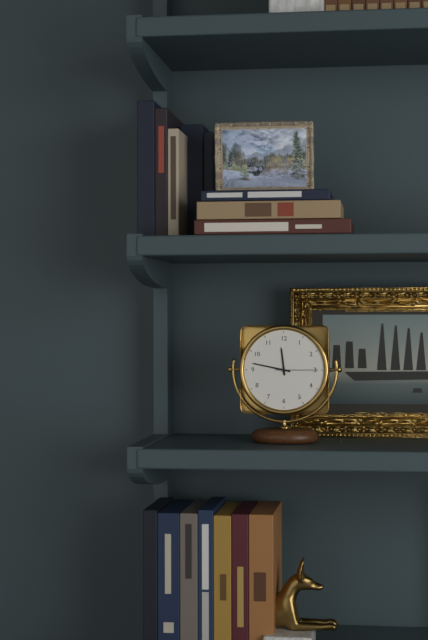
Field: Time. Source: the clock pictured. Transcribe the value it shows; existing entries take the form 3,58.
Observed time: 11,47
